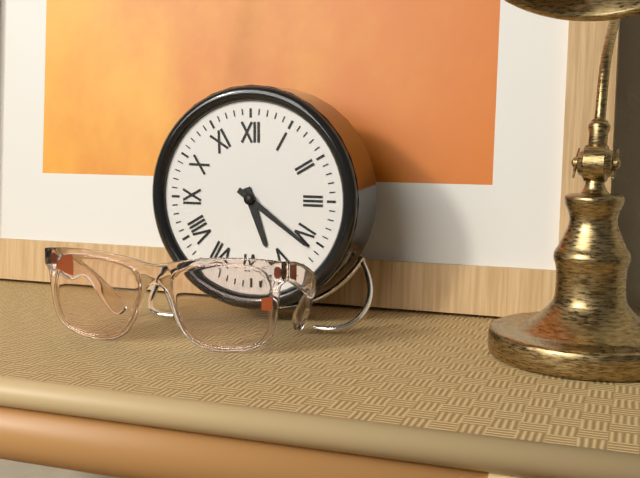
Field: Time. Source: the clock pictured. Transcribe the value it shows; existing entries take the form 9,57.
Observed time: 5,21
